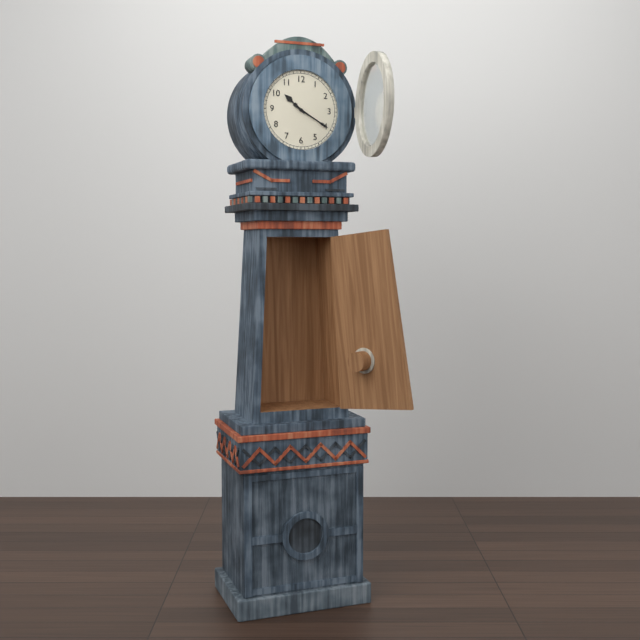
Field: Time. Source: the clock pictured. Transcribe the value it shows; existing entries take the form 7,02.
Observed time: 10,20
